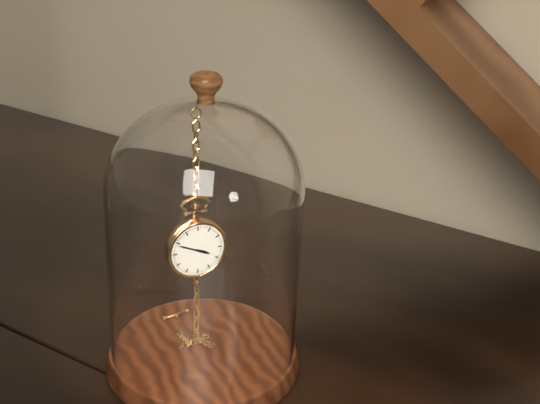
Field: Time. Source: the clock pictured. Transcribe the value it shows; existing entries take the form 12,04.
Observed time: 3,49
